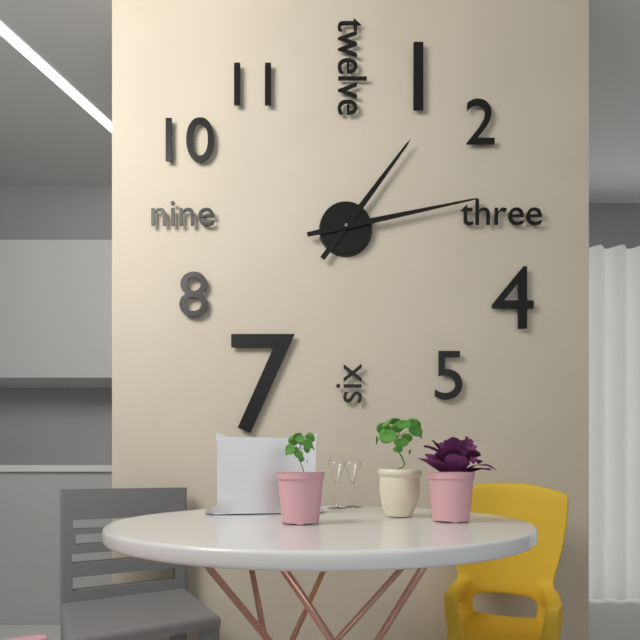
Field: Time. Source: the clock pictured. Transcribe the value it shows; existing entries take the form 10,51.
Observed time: 1,13
